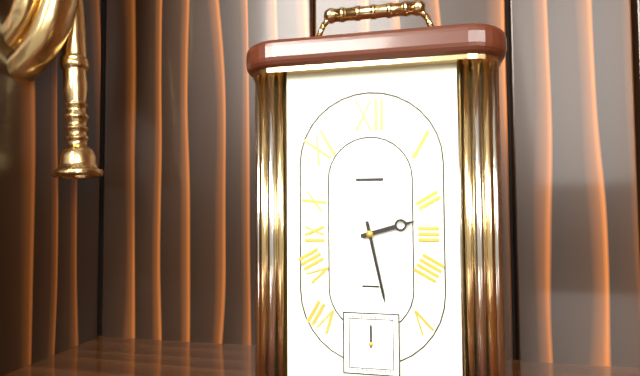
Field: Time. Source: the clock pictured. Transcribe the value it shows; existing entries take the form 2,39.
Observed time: 2,28
